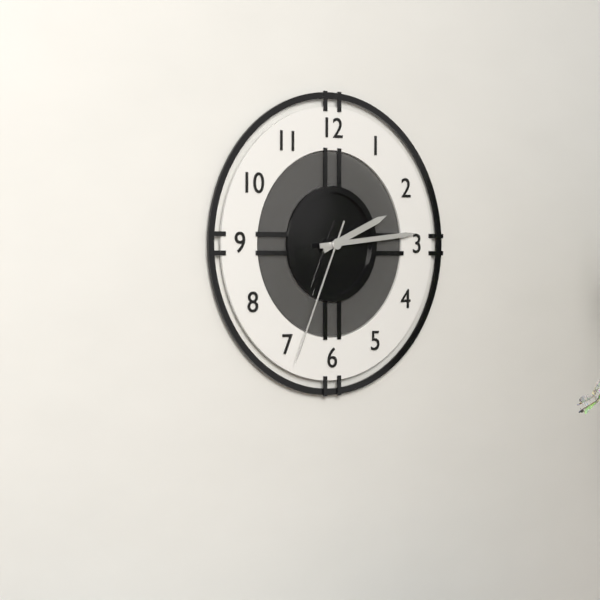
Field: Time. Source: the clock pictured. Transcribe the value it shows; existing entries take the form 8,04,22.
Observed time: 2,14,34
